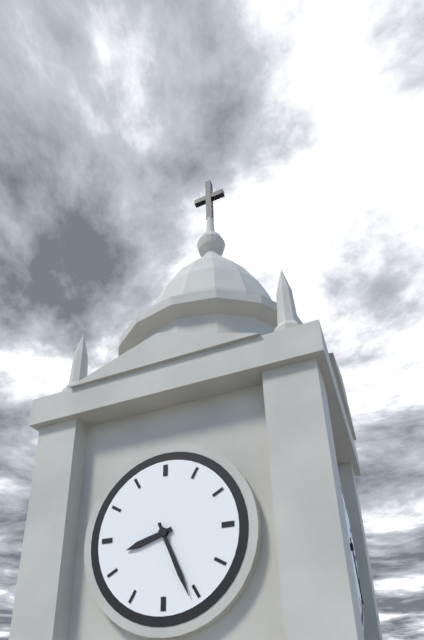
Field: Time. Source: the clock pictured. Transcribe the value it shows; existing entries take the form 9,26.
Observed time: 8,26
